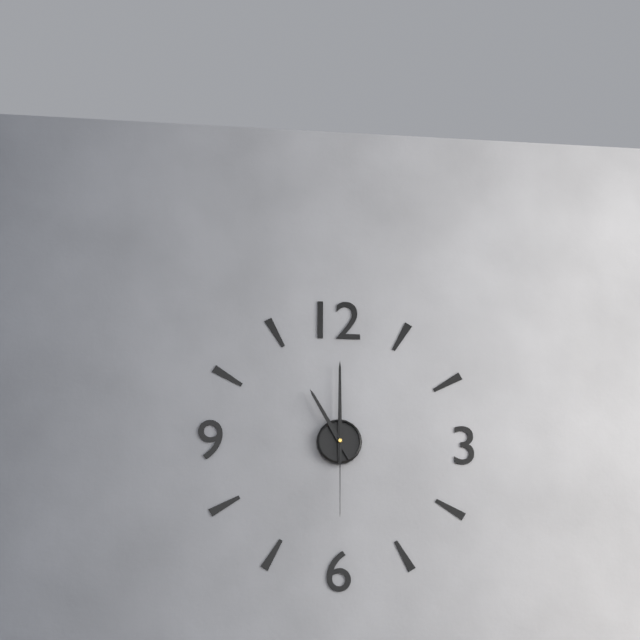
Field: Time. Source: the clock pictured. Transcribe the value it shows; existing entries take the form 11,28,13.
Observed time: 11,00,30
